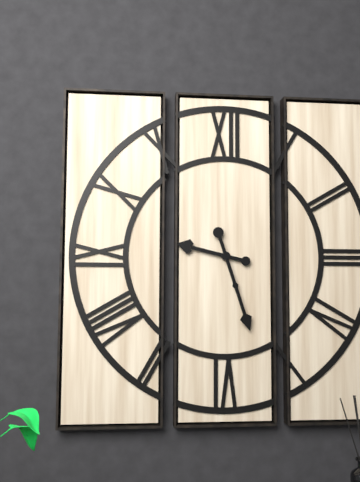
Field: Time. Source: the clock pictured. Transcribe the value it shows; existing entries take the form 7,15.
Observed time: 9,27
